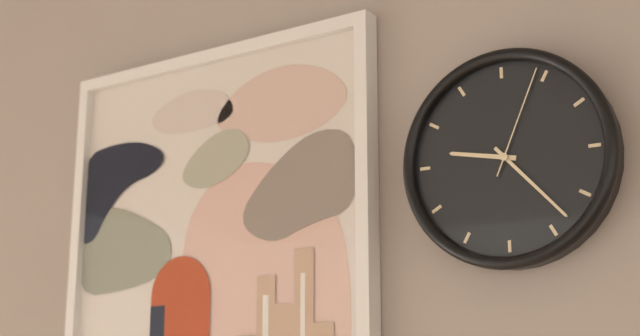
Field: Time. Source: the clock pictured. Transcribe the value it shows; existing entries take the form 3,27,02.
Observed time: 9,23,04
